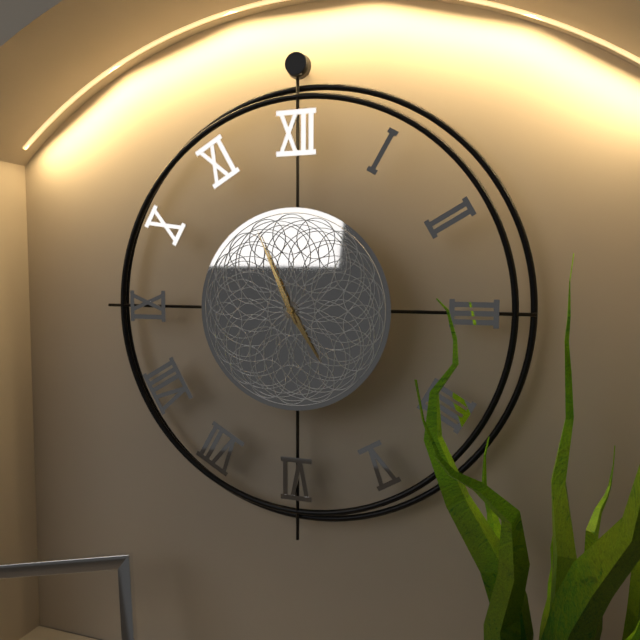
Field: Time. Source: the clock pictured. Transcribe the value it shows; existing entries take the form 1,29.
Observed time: 4,56
